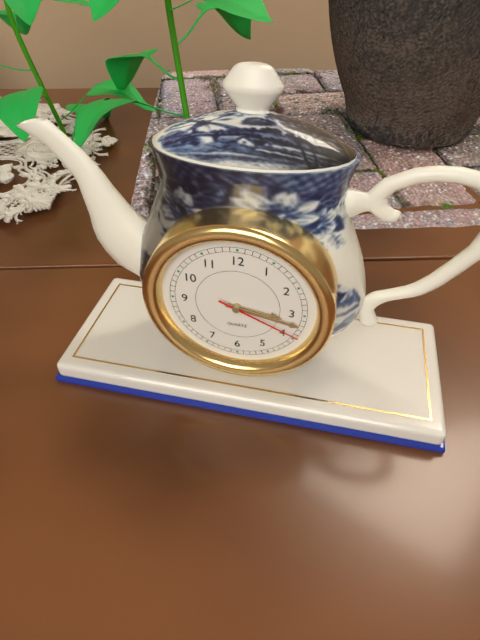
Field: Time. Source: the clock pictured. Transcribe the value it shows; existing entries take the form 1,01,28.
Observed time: 3,17,19
